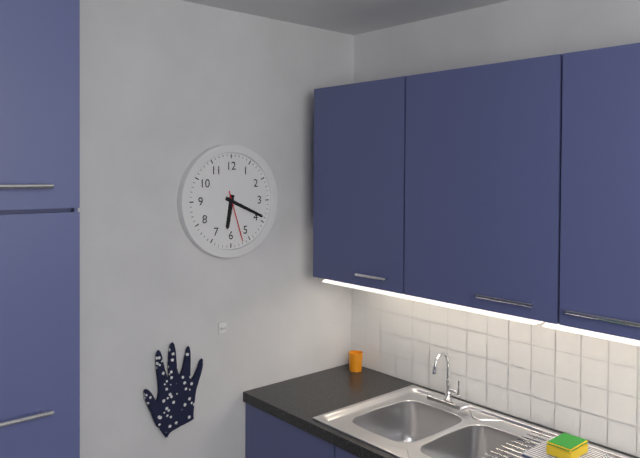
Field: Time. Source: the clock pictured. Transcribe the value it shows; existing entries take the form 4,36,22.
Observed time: 6,19,27
